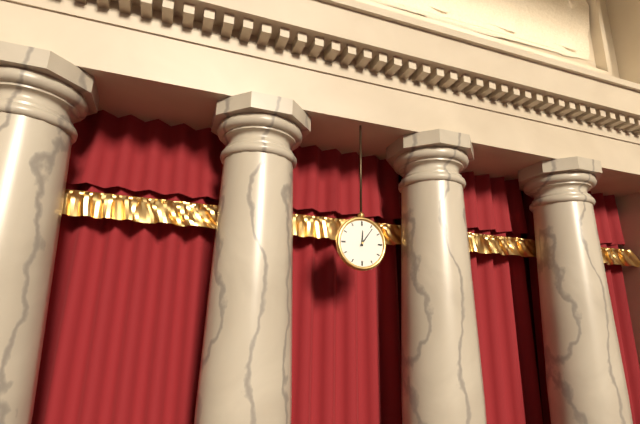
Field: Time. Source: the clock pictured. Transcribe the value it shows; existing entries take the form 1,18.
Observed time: 12,06
